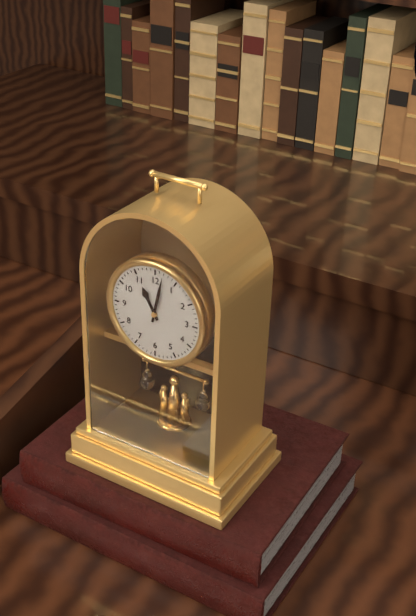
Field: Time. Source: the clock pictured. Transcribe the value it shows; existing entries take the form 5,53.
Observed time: 11,02
